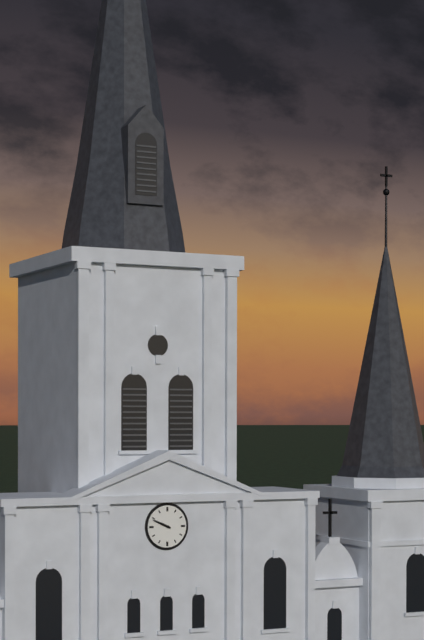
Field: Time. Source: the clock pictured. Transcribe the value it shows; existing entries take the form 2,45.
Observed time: 9,49
